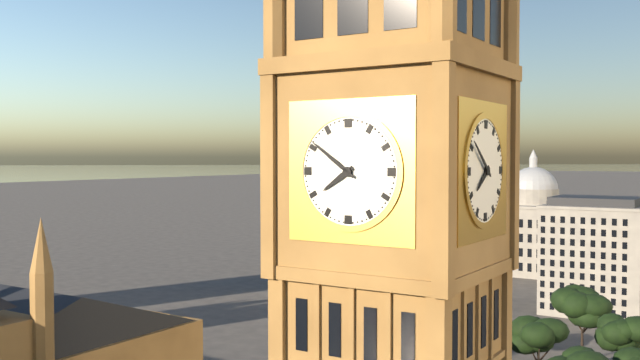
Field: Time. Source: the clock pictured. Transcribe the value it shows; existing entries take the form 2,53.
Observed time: 7,51
